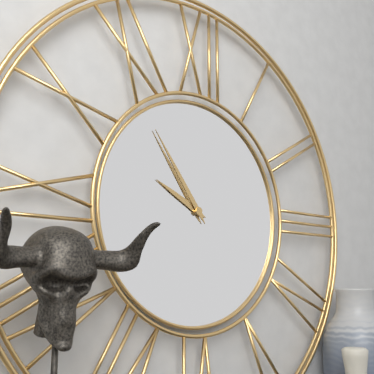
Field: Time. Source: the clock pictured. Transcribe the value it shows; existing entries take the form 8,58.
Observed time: 9,54
